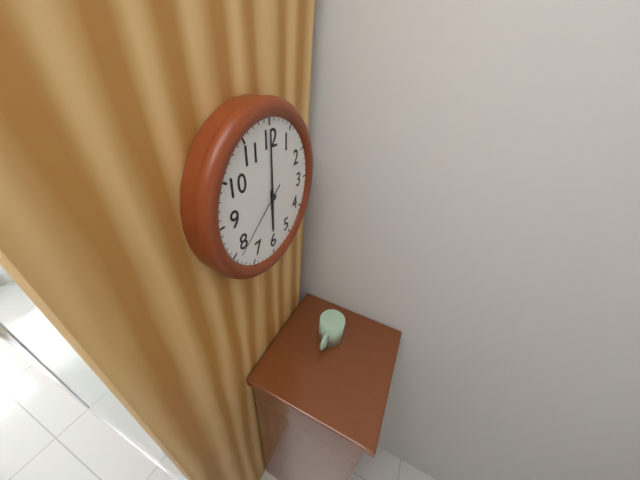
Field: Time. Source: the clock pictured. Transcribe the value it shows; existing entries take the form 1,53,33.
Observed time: 6,00,39
